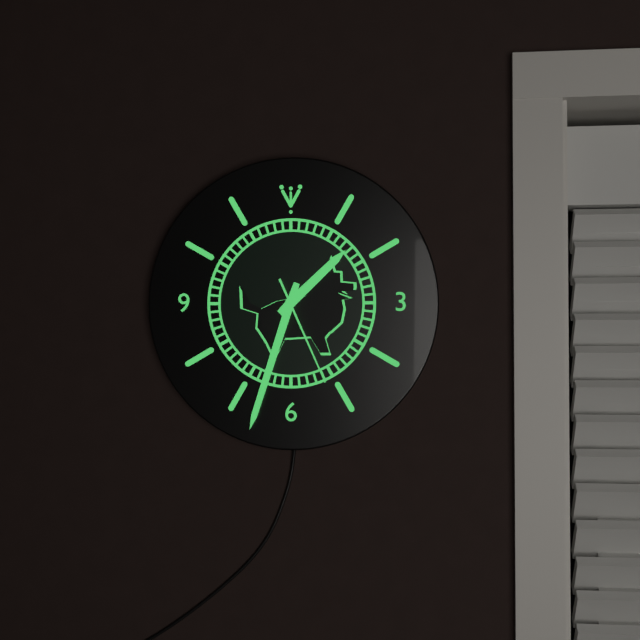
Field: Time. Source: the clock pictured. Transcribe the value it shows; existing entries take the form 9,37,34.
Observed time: 1,33,26
